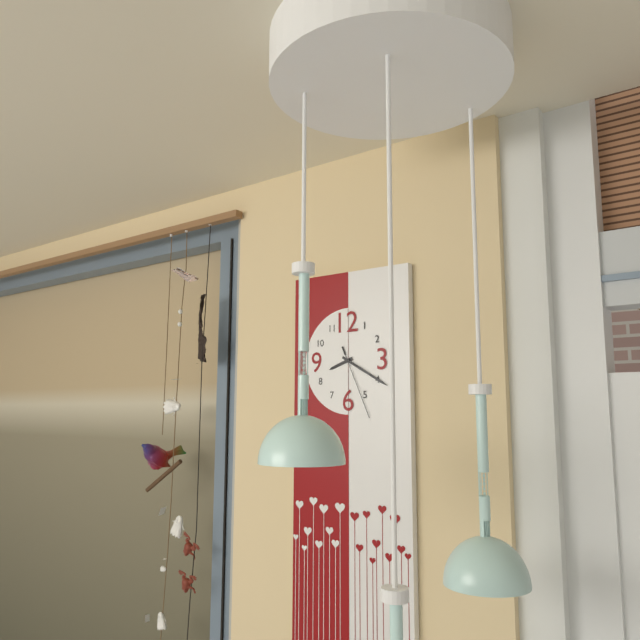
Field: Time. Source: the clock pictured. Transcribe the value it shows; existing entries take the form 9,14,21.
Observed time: 8,20,26
